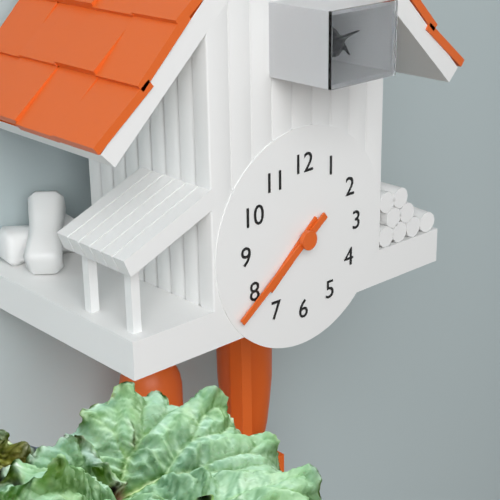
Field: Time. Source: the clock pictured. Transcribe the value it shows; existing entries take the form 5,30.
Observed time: 7,39
